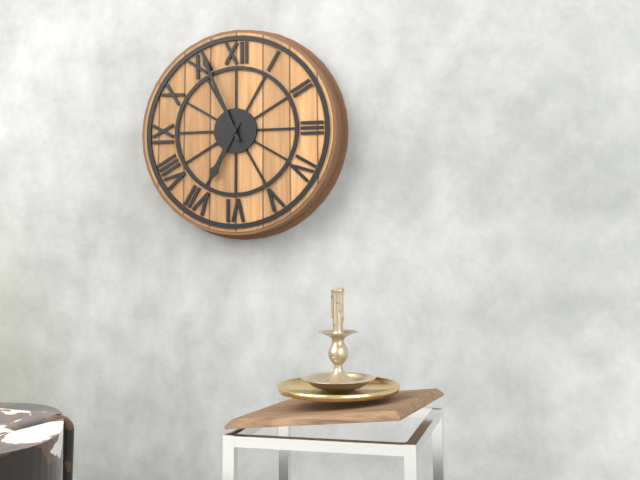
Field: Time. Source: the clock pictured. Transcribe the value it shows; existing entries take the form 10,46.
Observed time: 6,56
